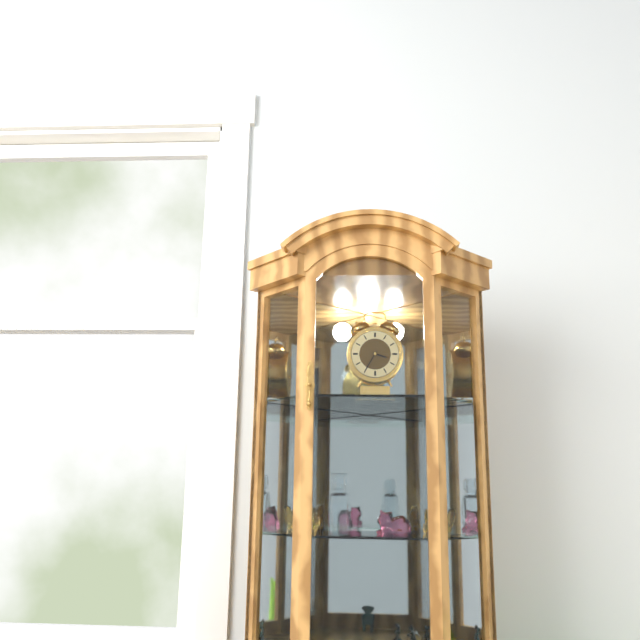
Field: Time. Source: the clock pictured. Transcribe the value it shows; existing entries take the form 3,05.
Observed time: 3,35
